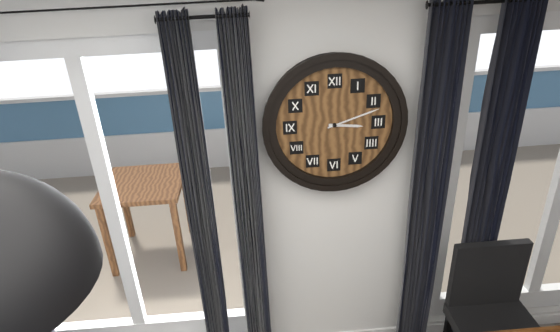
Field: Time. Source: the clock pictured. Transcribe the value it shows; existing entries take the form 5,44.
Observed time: 3,12
